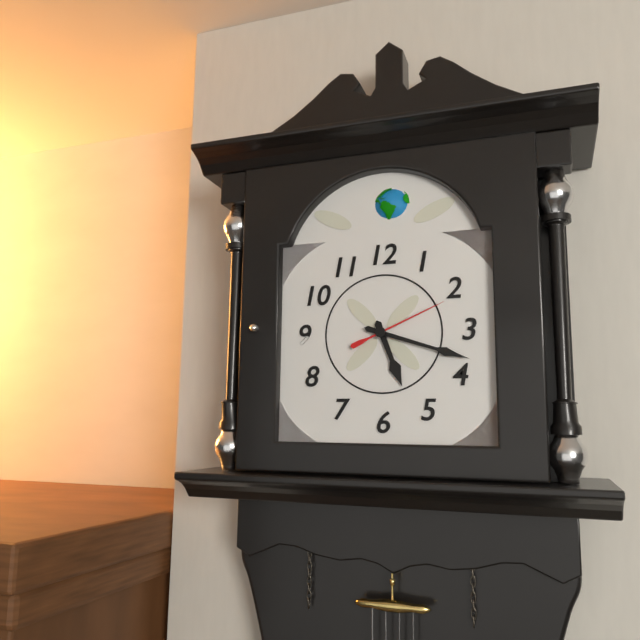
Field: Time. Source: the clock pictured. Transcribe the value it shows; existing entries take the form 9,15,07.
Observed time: 5,18,11
